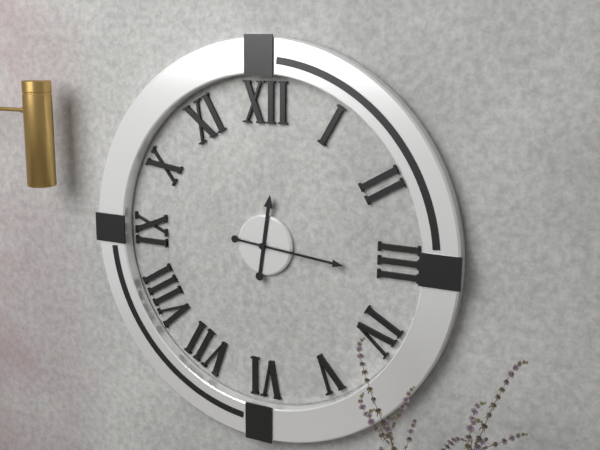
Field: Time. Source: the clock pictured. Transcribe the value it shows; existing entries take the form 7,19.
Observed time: 12,16
